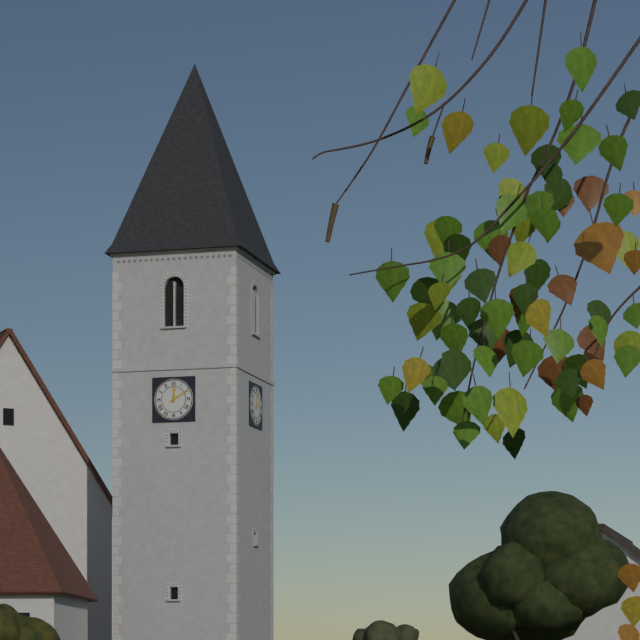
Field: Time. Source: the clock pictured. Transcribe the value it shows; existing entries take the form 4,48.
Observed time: 12,10
